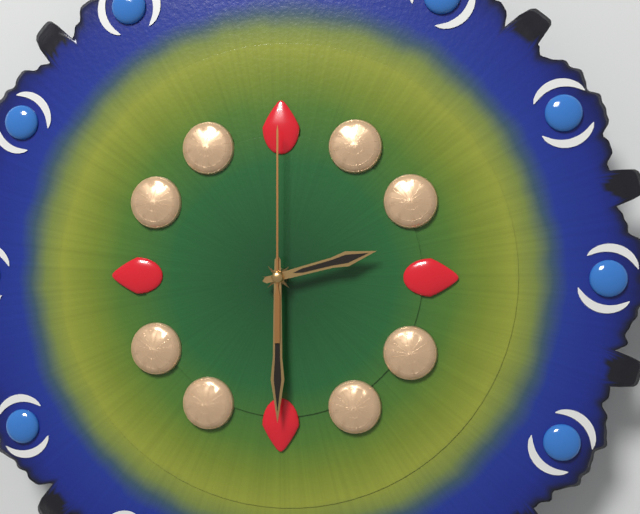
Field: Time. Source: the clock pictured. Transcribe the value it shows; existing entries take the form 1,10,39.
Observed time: 2,30,00
